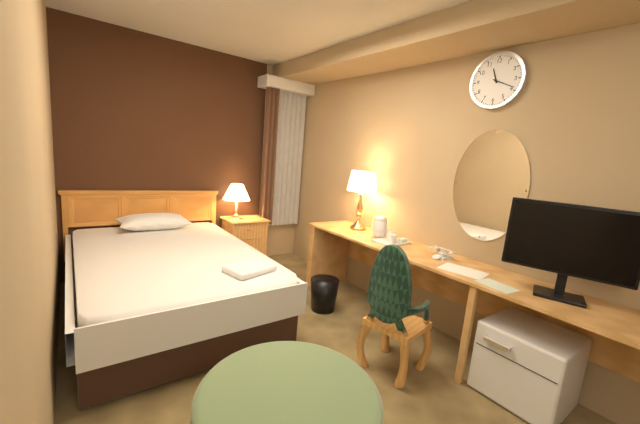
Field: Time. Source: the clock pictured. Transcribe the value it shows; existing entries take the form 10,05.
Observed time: 11,19
